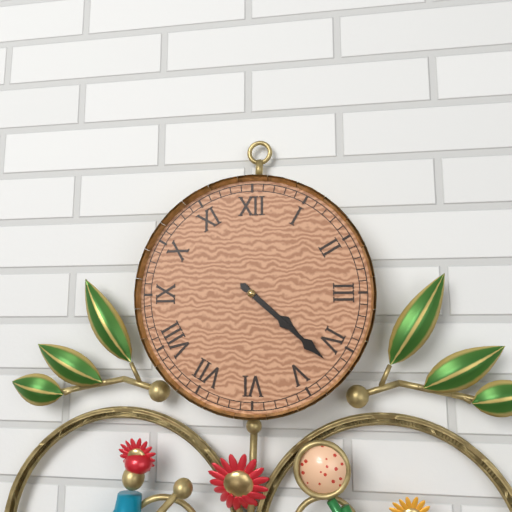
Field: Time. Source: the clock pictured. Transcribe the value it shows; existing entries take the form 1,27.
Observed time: 4,22
